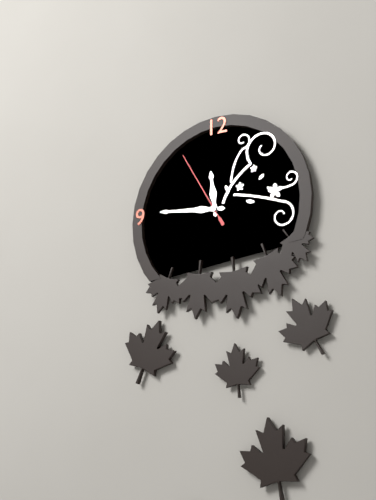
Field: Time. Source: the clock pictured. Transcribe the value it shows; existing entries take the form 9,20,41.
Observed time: 11,46,55
